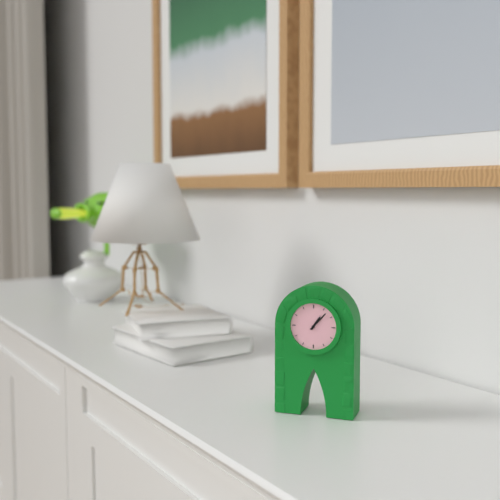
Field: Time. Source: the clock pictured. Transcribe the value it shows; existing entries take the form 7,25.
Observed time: 1,07
